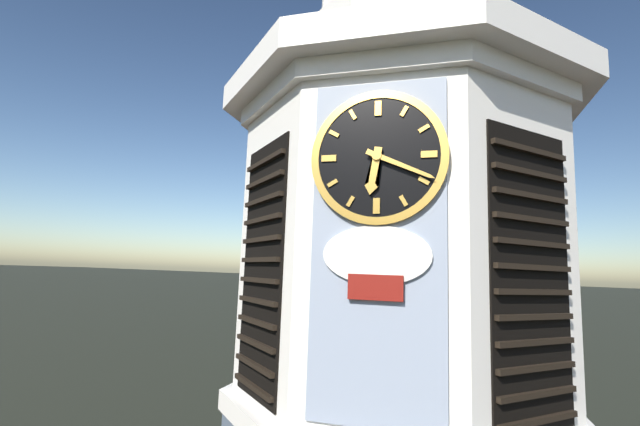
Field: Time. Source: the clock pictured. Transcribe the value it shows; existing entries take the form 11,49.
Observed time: 6,19
